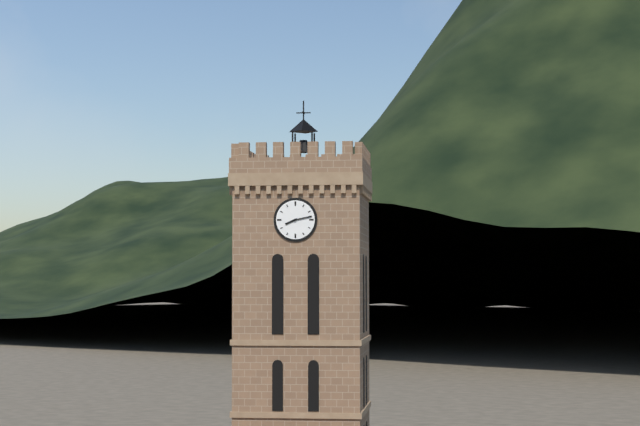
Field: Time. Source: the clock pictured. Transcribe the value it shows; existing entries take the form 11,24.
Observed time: 8,13
